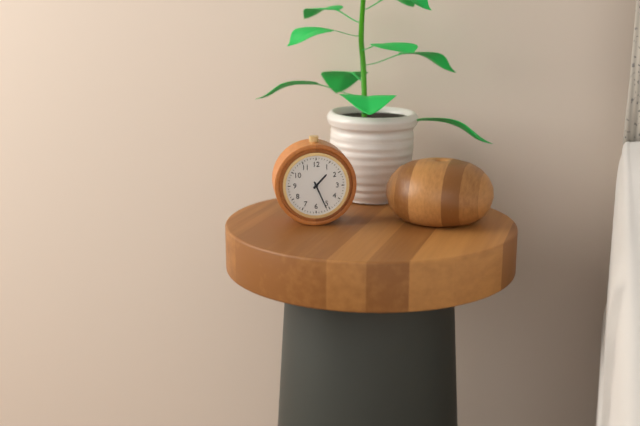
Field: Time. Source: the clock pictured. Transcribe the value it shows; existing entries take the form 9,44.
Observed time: 1,26
